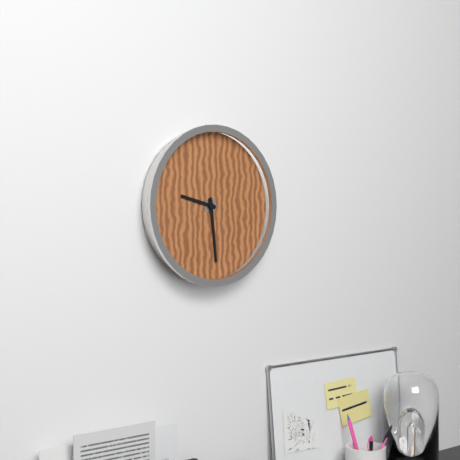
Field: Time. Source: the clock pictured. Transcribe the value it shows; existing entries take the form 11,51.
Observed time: 9,29
